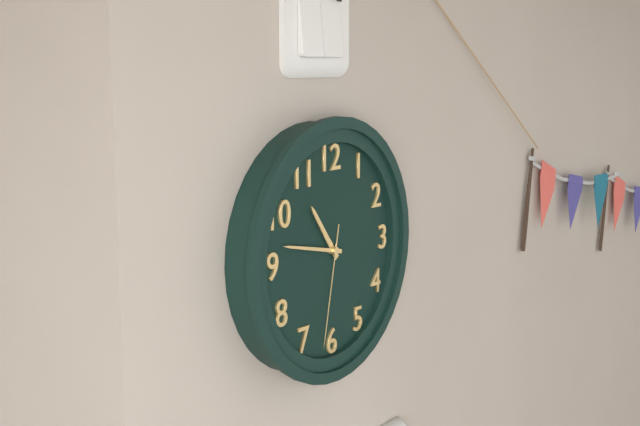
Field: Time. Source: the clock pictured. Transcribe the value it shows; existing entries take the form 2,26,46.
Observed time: 10,47,32
